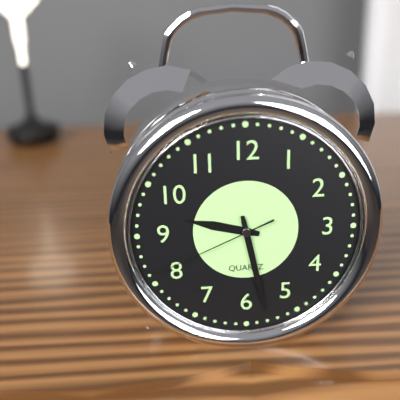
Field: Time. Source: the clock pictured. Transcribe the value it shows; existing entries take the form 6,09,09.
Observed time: 9,28,41
